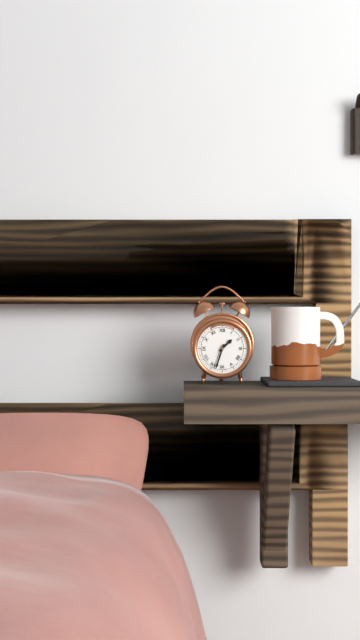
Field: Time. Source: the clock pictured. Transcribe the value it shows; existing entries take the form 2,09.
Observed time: 1,33
